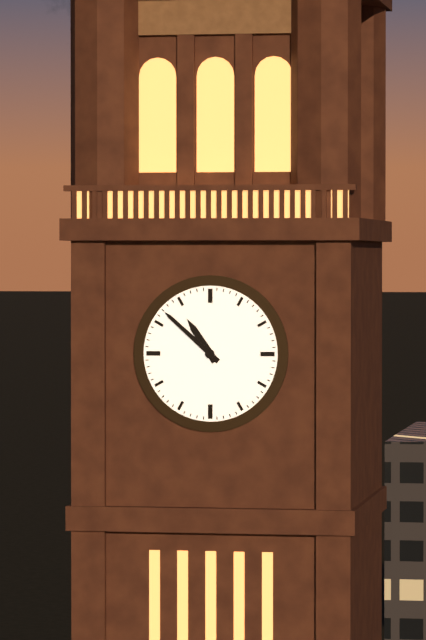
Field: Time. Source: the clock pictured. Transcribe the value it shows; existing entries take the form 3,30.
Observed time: 10,52
